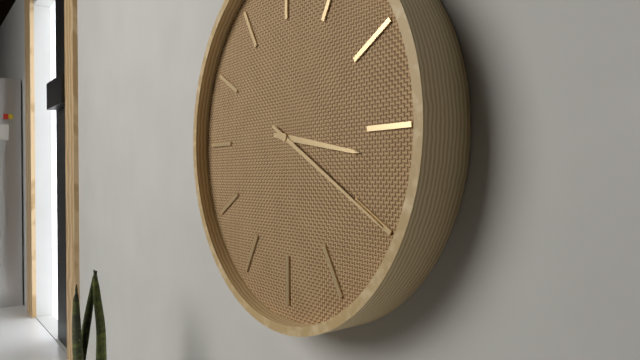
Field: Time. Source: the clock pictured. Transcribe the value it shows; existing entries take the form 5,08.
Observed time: 3,20
